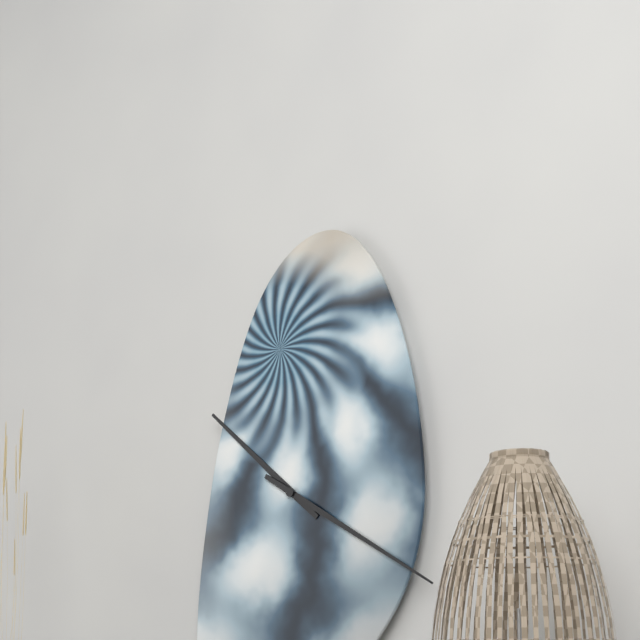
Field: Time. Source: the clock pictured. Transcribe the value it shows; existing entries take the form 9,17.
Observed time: 10,20
